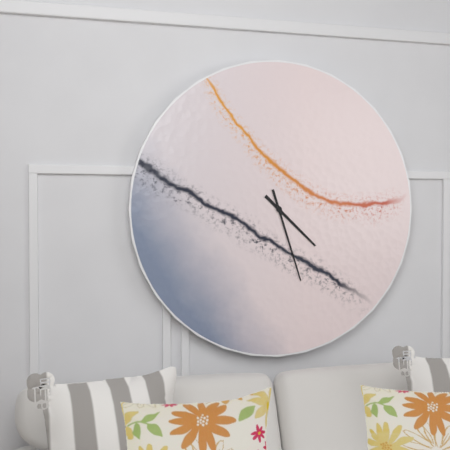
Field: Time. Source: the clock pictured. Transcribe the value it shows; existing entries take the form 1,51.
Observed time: 4,27
